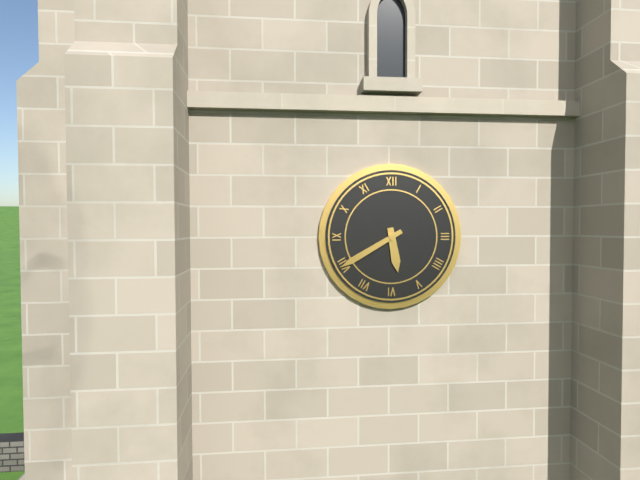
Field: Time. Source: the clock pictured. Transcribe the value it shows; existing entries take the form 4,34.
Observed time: 5,40
